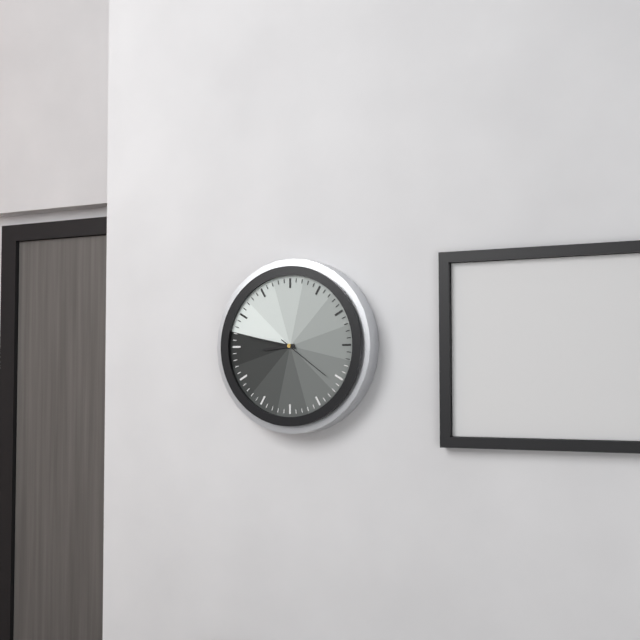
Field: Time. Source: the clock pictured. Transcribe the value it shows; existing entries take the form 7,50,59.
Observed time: 8,47,21
